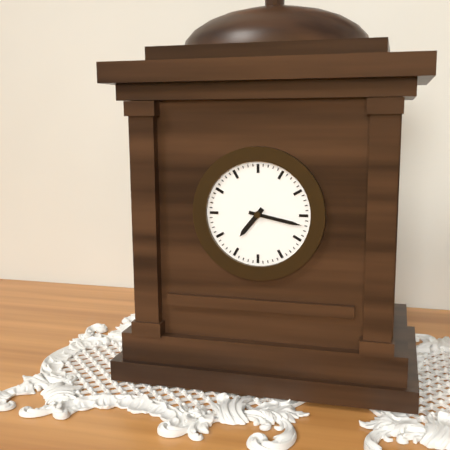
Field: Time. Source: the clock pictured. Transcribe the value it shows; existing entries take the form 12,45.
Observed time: 7,17
